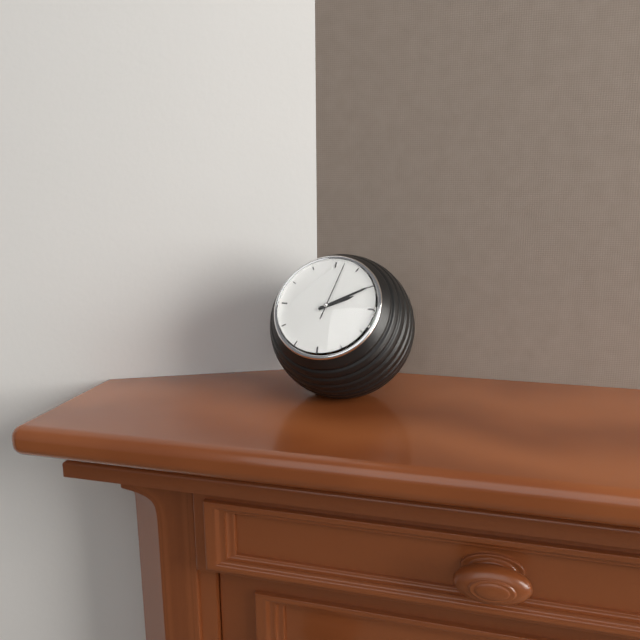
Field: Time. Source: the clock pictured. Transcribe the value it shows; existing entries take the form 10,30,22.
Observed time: 2,10,02
